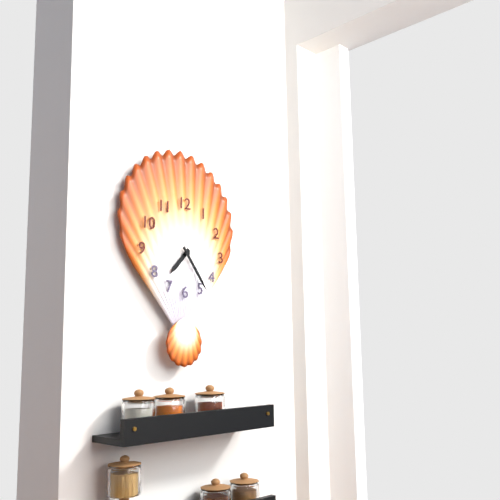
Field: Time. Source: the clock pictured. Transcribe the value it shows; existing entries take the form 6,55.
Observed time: 7,24
